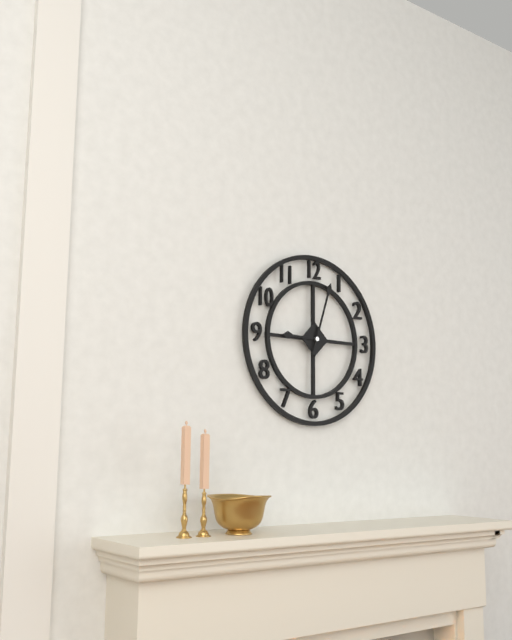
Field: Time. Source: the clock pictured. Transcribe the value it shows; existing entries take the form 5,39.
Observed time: 9,03
